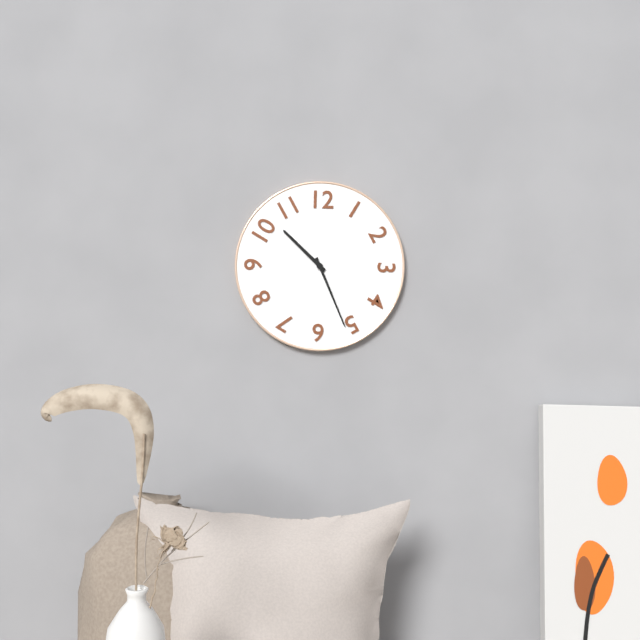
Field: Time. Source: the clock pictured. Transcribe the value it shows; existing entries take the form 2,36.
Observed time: 10,26
